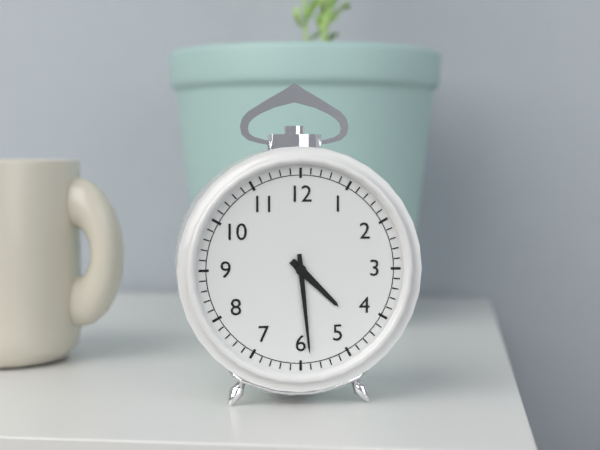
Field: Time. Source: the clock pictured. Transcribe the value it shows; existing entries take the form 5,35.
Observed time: 4,29
